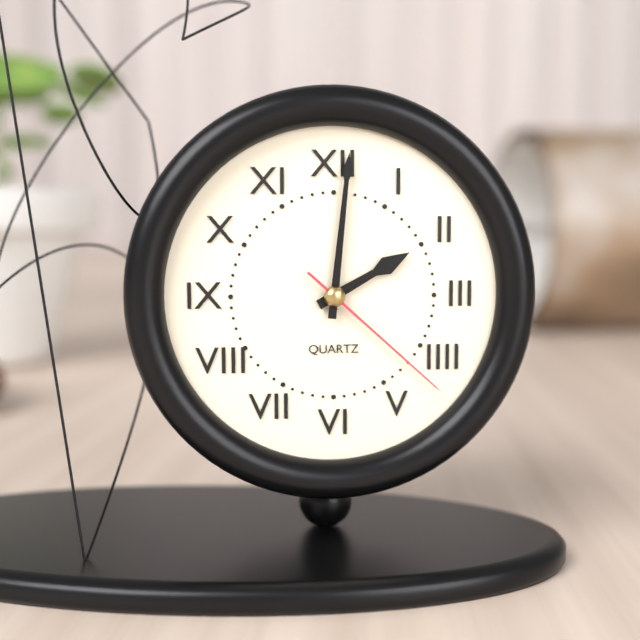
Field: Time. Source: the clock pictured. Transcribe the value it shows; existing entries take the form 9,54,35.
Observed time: 2,01,22
